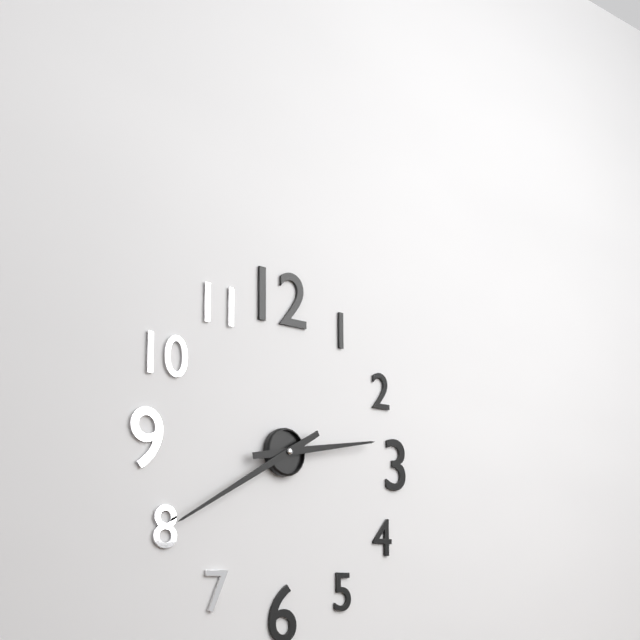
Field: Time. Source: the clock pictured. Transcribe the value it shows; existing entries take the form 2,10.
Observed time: 2,40
